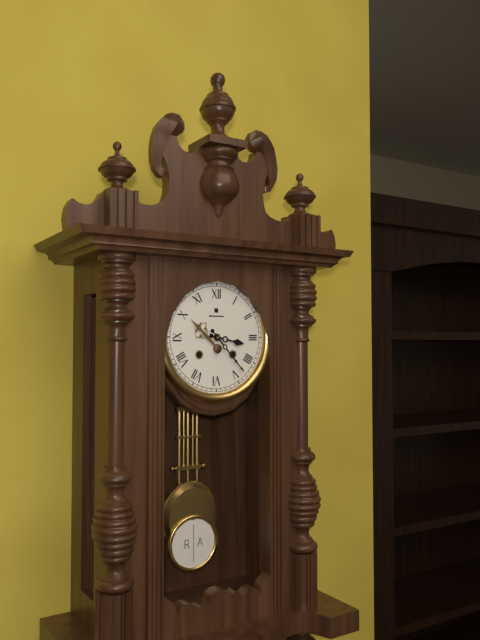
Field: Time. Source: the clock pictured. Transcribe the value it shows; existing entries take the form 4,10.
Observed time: 3,23
